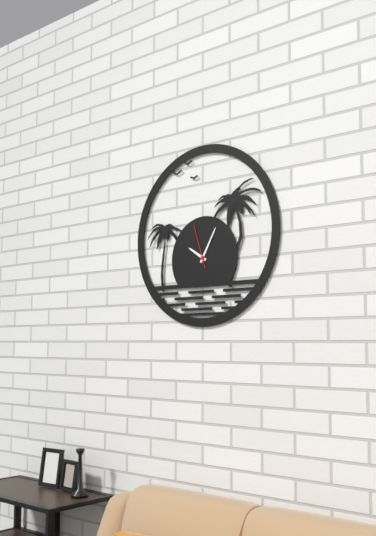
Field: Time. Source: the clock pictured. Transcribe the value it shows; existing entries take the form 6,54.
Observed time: 10,05
